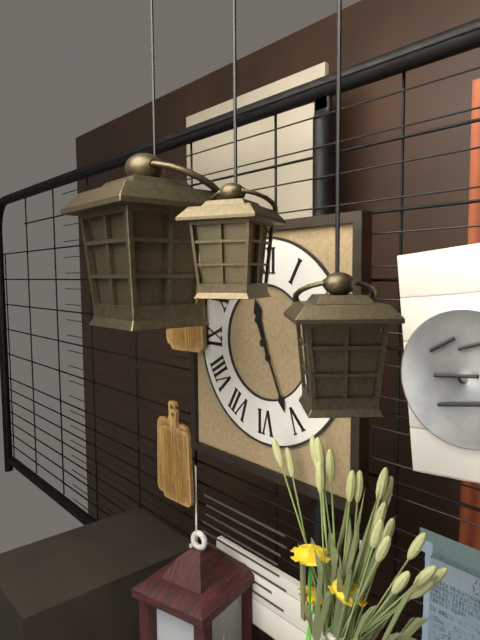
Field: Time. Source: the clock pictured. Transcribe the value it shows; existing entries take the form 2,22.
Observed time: 11,26
